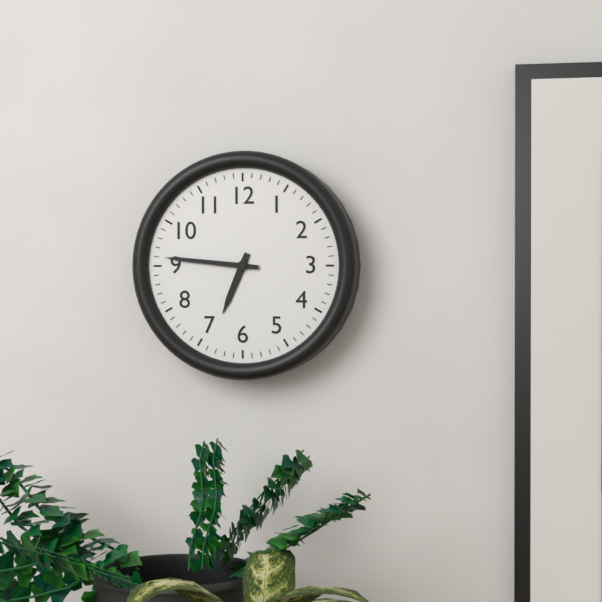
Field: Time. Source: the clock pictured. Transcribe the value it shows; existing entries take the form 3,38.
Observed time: 6,46
